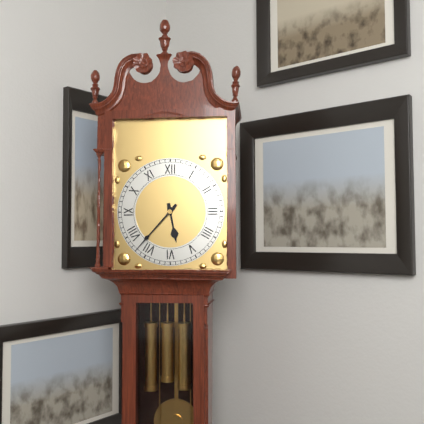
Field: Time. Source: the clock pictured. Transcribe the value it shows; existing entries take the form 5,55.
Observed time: 5,37
